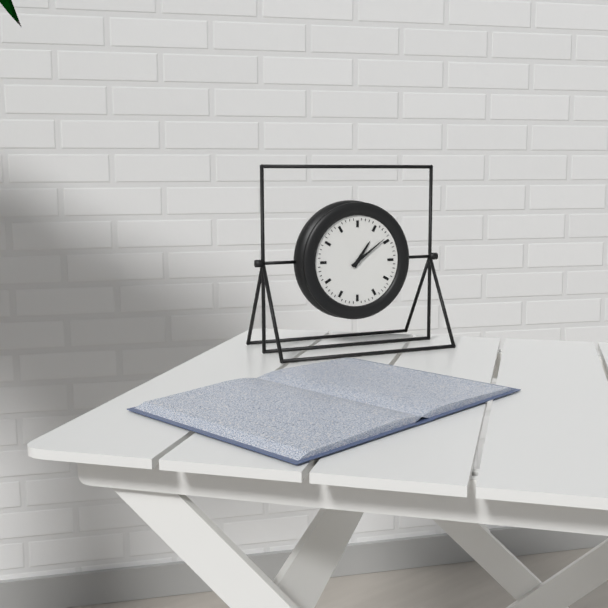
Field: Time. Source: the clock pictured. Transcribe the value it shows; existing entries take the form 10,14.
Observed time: 1,09
